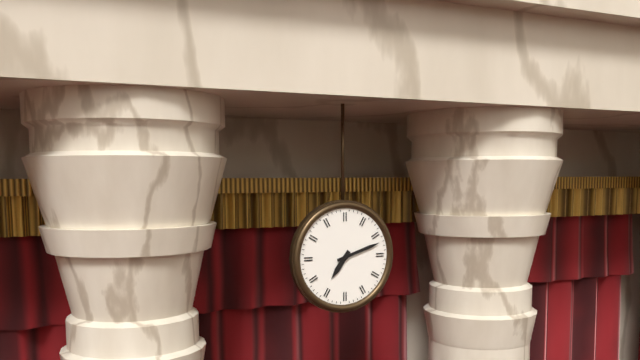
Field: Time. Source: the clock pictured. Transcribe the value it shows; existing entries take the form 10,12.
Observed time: 7,12
